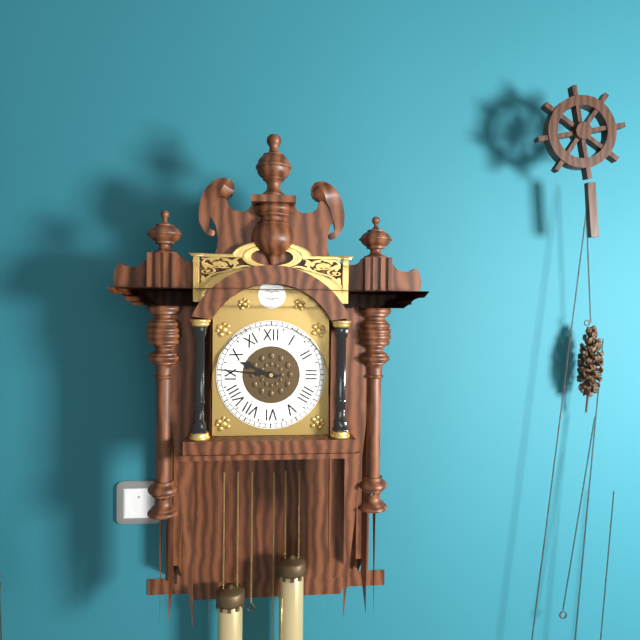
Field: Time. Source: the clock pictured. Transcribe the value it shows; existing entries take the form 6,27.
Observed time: 9,46
